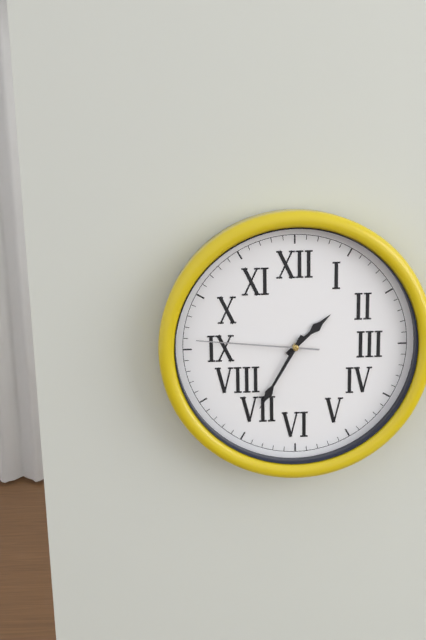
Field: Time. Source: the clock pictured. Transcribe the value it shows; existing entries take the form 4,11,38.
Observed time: 1,35,46
